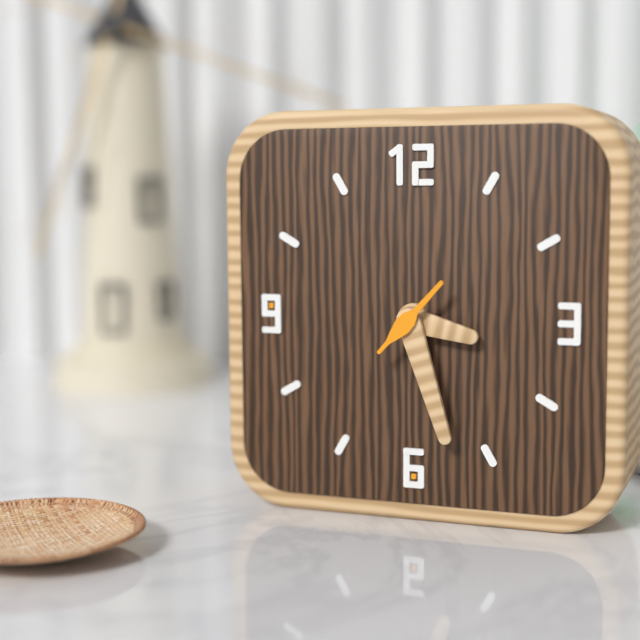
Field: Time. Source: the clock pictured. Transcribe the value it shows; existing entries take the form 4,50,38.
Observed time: 3,27,07
